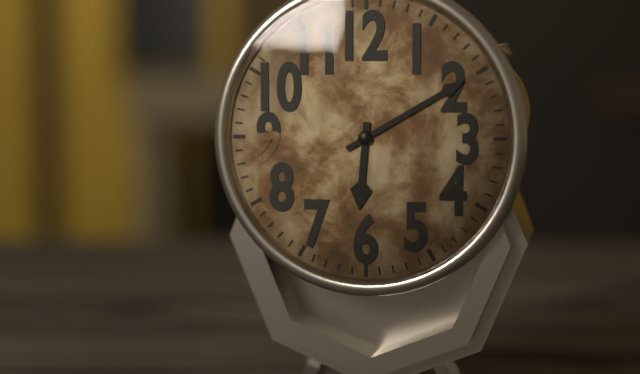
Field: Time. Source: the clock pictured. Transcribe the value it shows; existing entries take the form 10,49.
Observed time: 6,10
